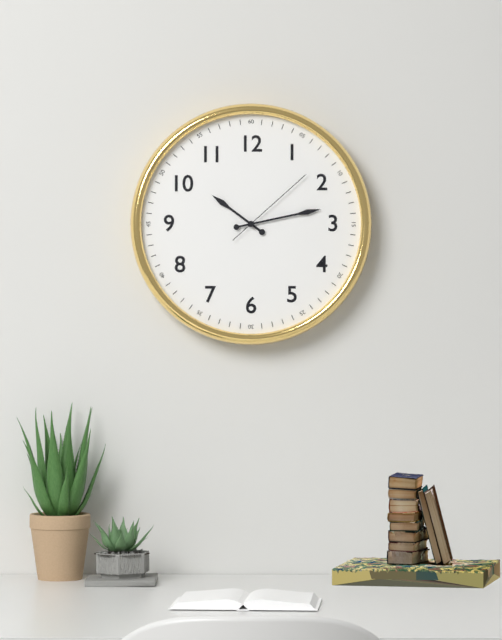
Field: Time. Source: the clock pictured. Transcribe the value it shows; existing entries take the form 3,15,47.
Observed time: 10,13,08
